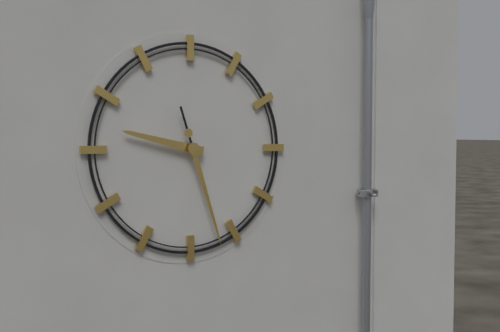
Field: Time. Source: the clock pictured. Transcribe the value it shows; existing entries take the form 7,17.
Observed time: 9,27
